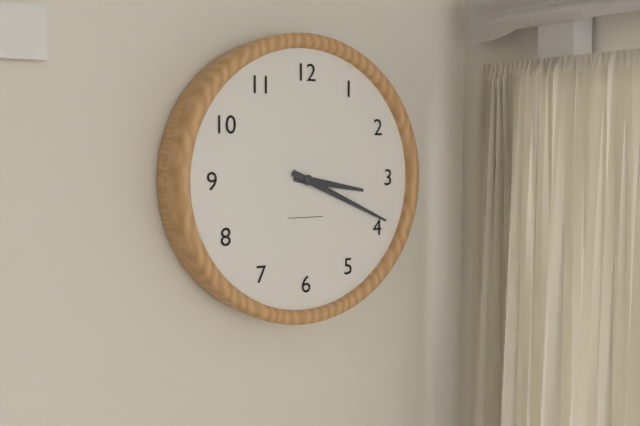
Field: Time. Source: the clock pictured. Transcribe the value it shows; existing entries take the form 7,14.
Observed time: 3,19
